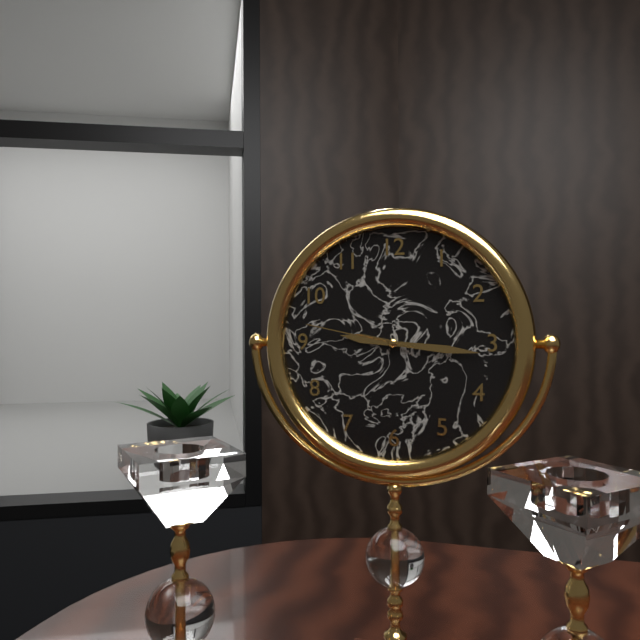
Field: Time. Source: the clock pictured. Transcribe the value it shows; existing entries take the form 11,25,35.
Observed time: 9,16,47
